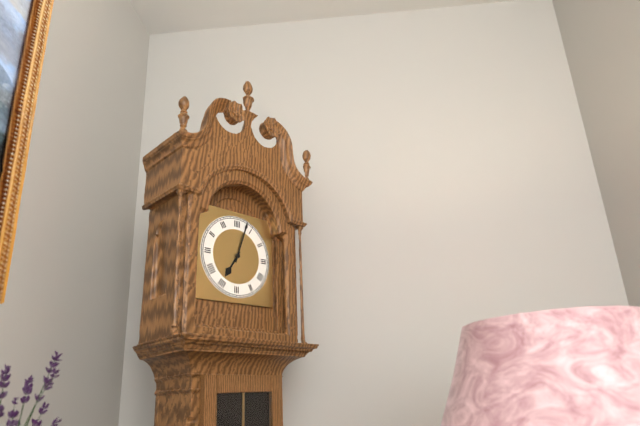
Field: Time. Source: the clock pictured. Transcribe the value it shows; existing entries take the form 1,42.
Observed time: 7,03
